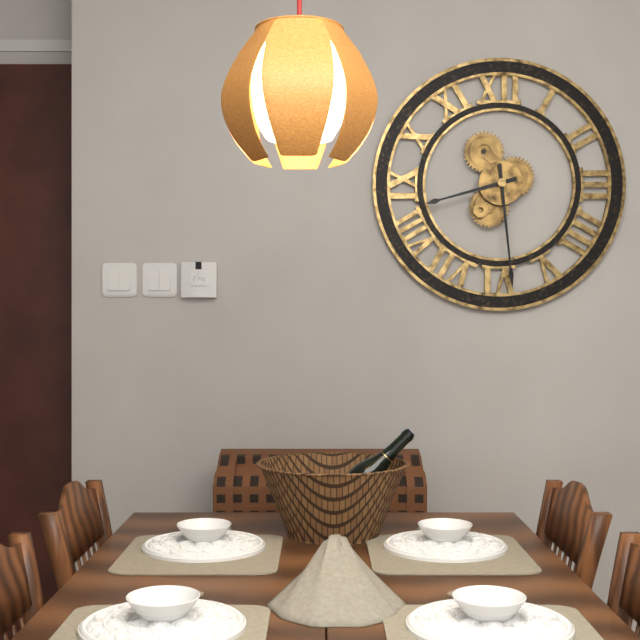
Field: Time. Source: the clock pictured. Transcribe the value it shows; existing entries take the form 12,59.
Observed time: 8,29
